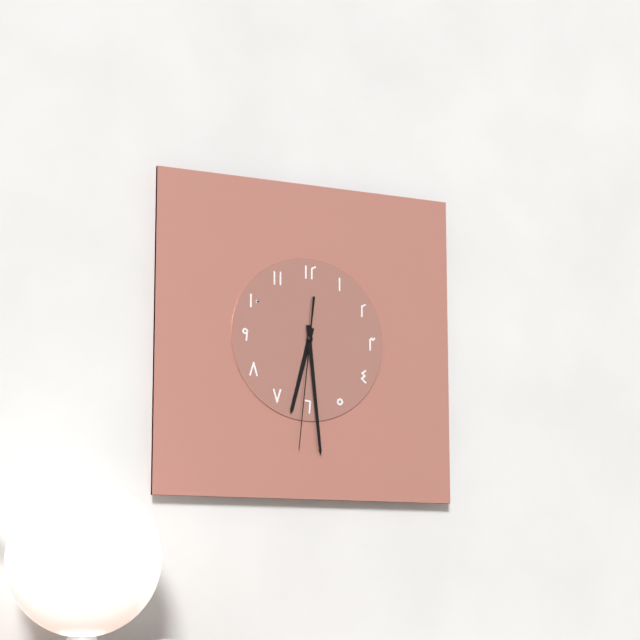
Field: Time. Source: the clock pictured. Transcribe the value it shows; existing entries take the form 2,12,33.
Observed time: 6,29,31
